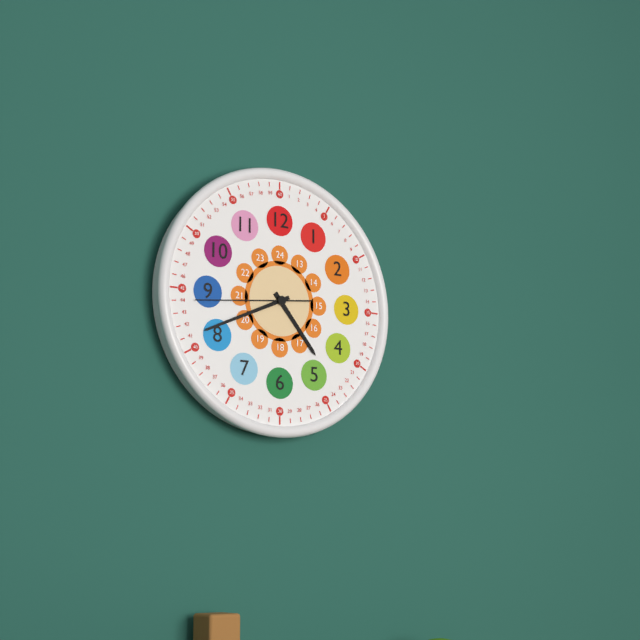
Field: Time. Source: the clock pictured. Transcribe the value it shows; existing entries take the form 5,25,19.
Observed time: 4,41,44
